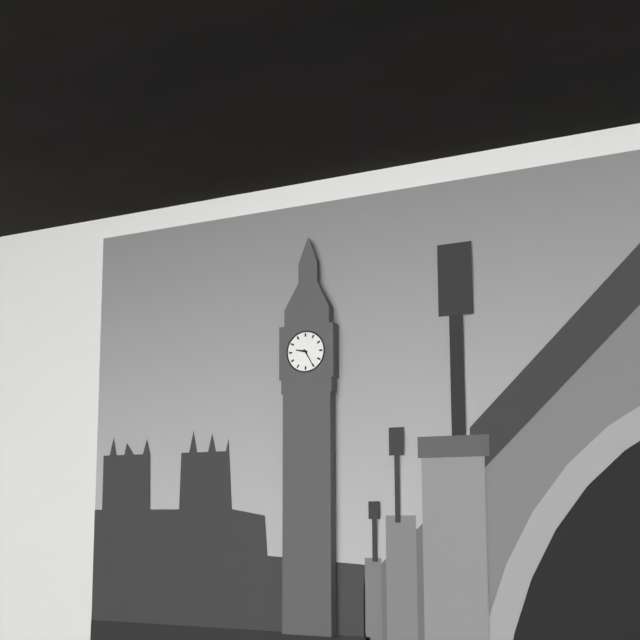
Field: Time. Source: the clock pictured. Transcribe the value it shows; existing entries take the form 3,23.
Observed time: 9,25
